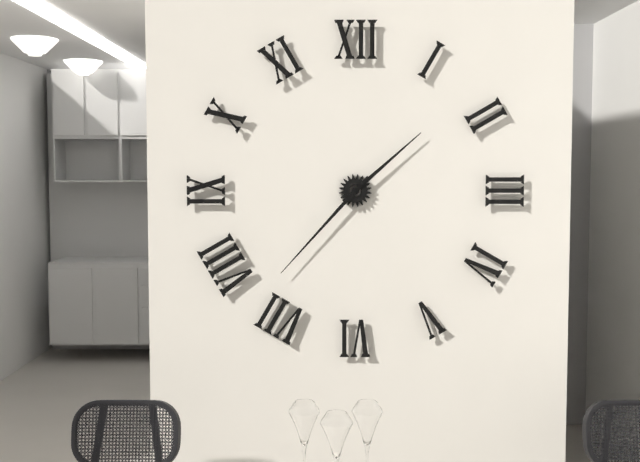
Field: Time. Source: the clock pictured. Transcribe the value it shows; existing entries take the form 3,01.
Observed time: 1,37
